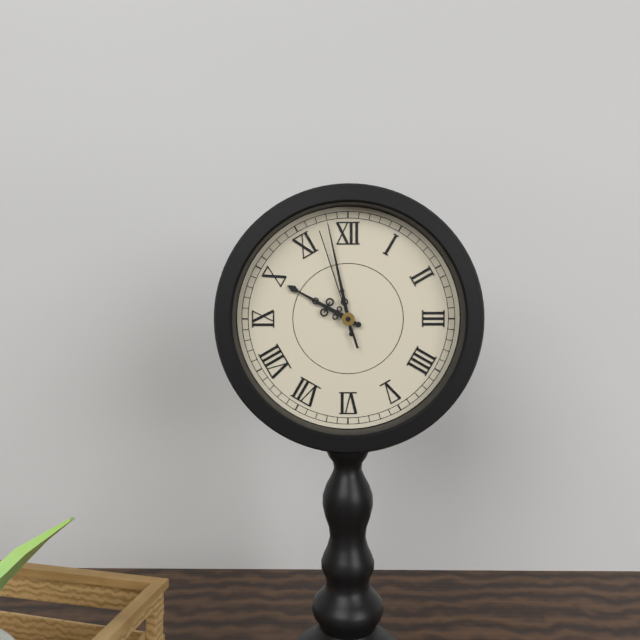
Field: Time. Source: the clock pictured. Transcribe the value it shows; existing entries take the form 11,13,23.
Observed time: 9,58,57
